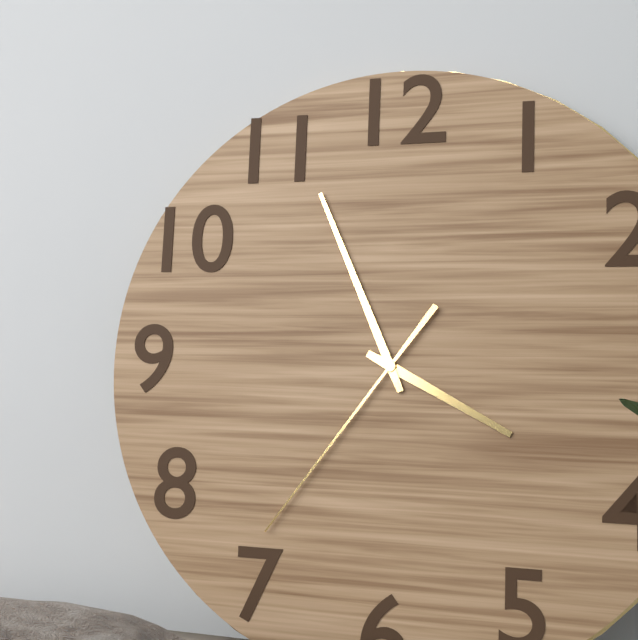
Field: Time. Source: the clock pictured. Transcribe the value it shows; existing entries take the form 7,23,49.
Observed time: 3,56,36
